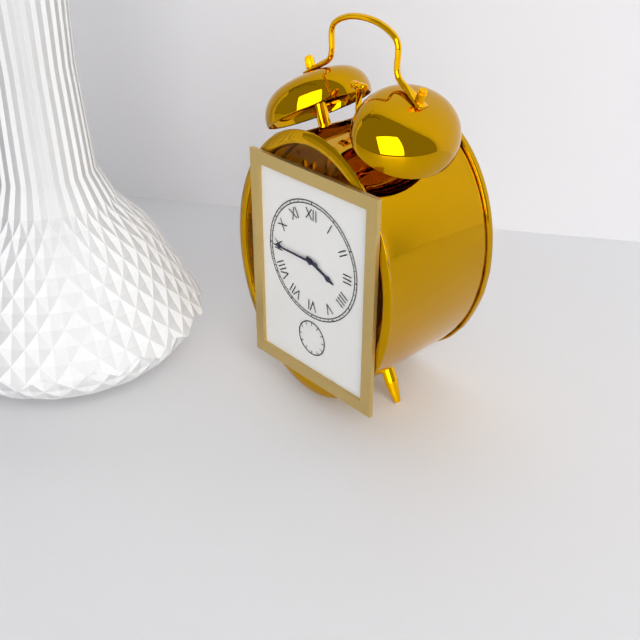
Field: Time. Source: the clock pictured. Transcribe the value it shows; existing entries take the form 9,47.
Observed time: 3,45
